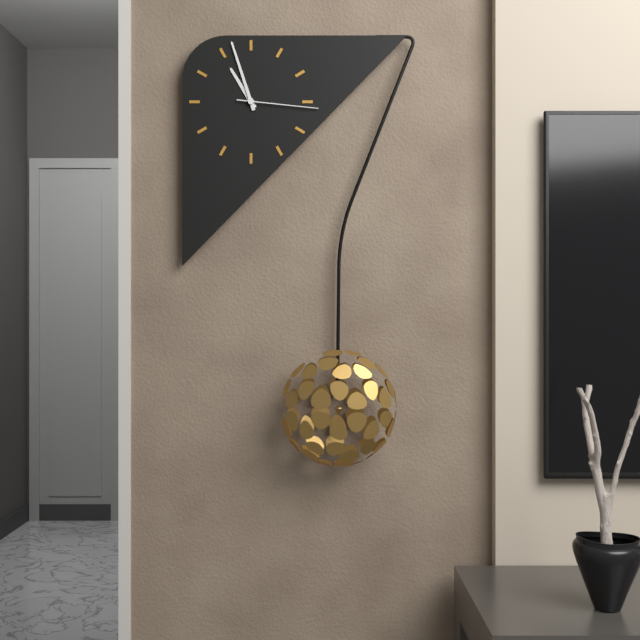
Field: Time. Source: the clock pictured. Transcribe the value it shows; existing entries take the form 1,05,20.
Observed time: 10,57,16
